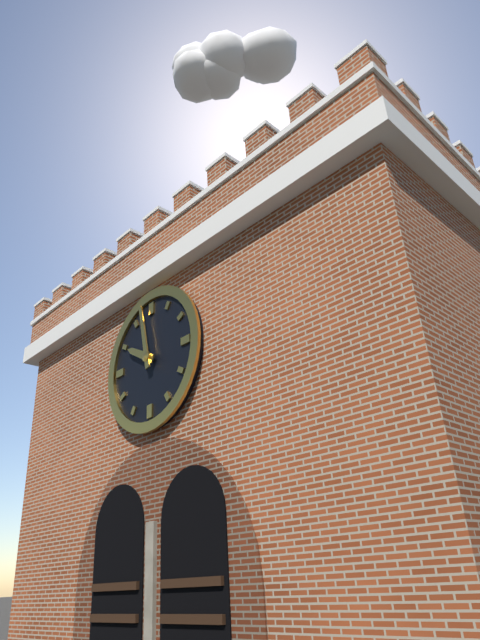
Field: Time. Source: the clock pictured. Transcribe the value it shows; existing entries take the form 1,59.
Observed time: 9,58
